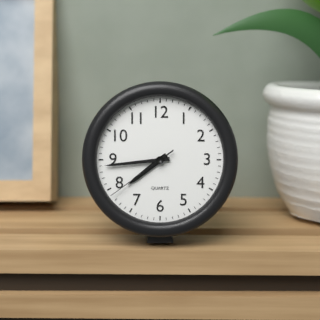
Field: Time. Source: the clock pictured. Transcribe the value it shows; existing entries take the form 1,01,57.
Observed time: 7,44,39
